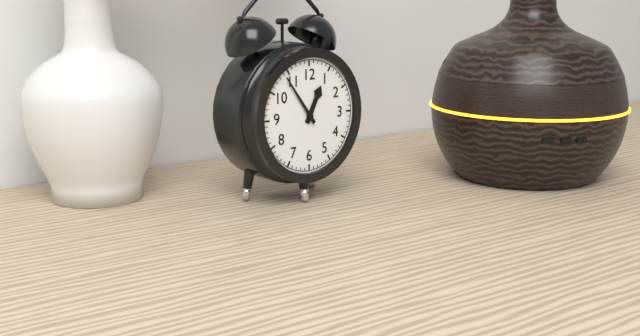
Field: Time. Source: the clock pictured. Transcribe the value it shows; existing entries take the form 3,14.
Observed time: 12,54
